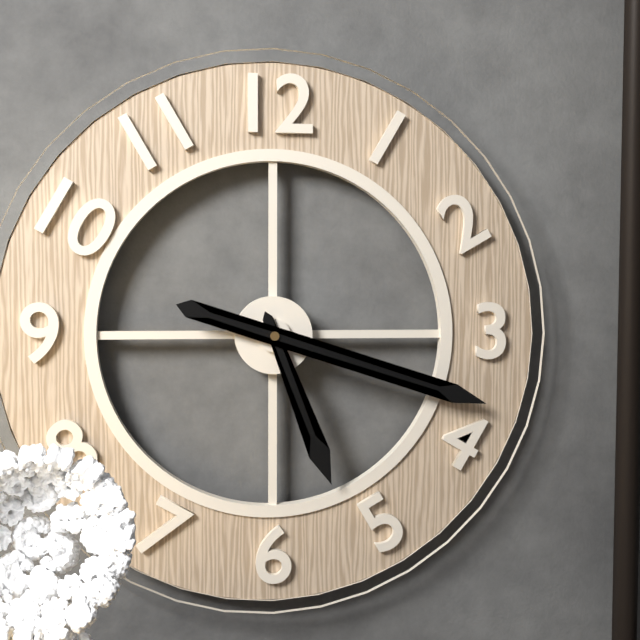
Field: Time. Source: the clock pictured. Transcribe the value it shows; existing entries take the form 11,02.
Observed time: 5,18
